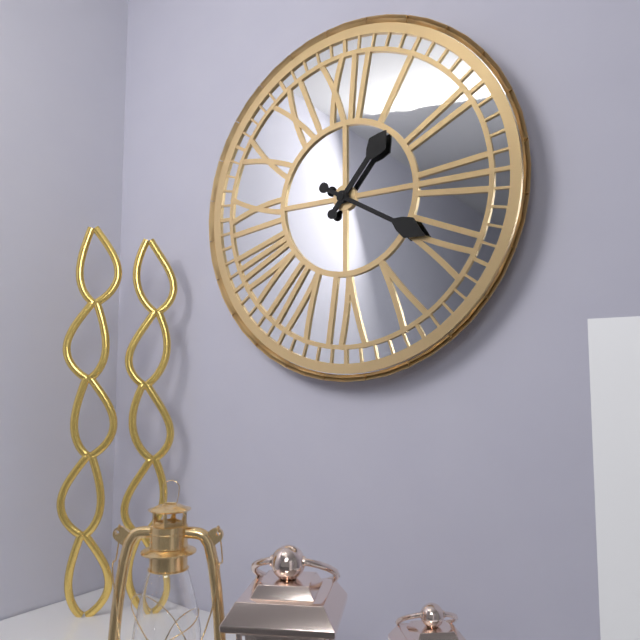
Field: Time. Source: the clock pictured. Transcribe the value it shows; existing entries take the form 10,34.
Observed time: 1,20
